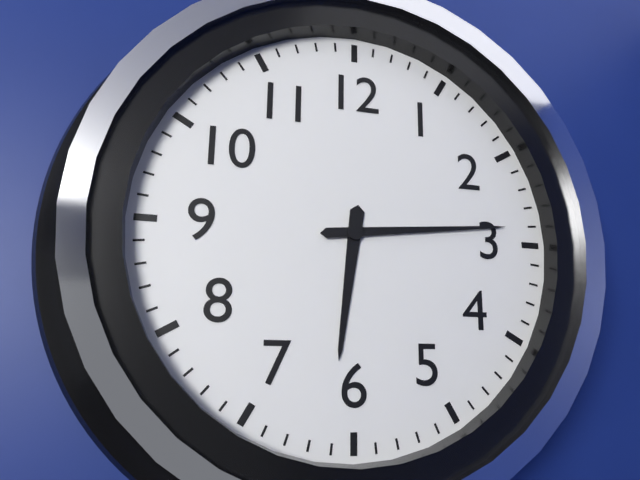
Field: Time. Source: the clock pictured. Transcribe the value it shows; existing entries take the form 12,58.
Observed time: 6,14
